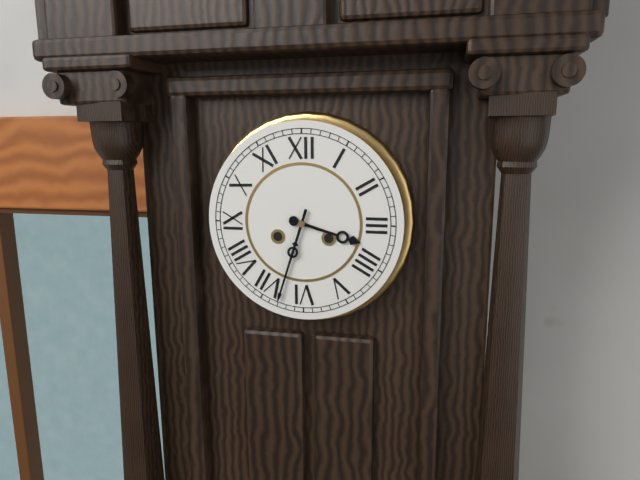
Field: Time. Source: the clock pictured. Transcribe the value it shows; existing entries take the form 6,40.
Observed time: 3,33
